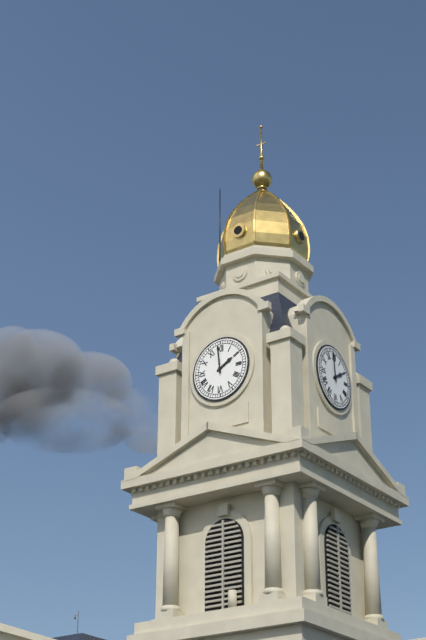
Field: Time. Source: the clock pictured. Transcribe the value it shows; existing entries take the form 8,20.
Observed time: 1,59
